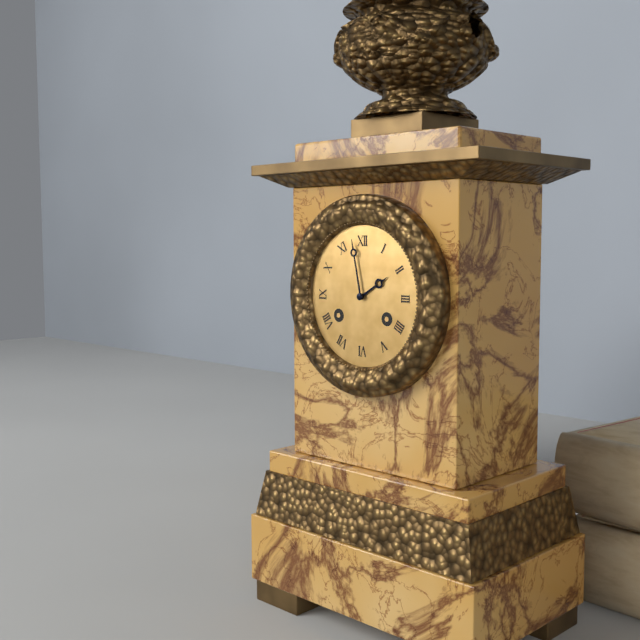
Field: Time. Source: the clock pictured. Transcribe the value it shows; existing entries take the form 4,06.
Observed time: 1,58
